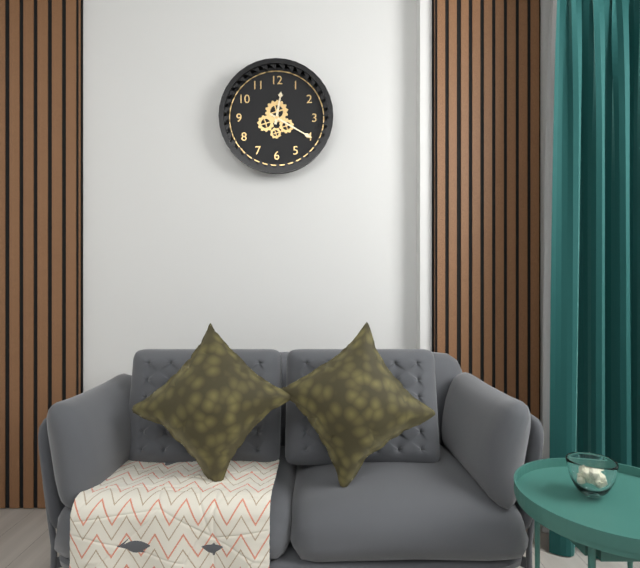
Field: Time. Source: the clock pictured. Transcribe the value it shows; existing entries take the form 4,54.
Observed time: 12,20
